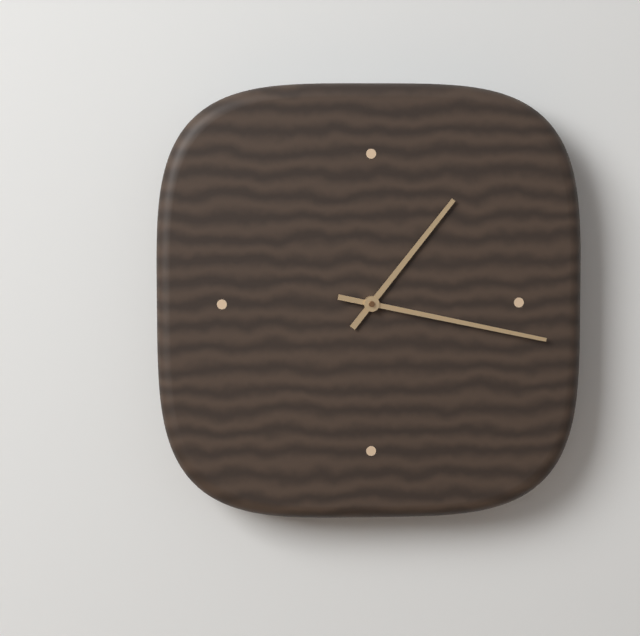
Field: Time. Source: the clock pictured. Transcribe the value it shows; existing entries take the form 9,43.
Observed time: 1,17
